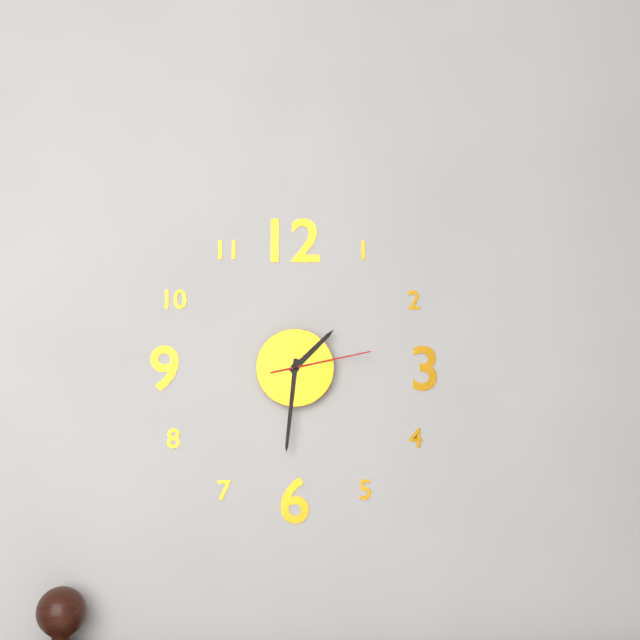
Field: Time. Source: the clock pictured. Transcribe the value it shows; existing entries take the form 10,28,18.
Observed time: 1,31,13
